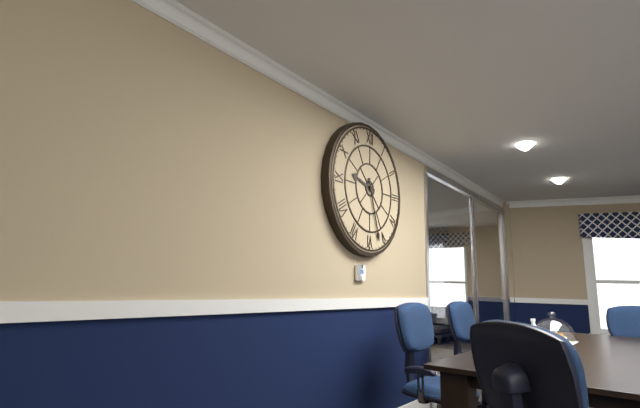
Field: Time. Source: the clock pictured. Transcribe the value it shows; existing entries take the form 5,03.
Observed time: 9,27
